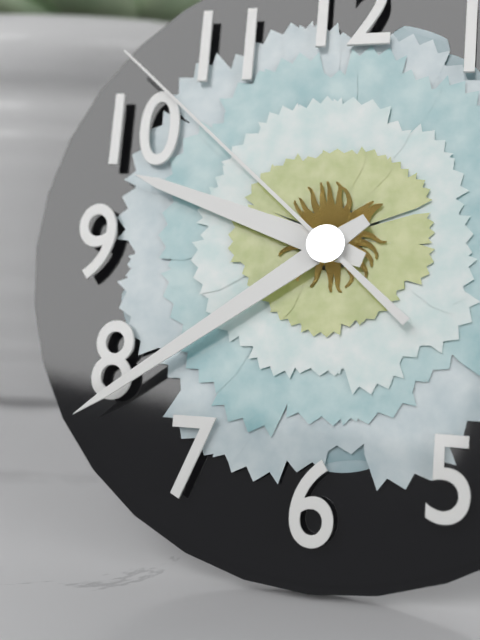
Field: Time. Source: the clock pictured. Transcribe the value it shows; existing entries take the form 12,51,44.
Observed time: 9,39,52
